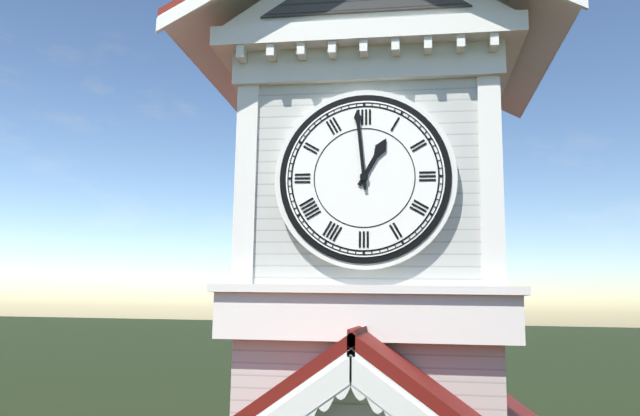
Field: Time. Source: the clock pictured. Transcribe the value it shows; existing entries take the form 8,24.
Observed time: 12,59
